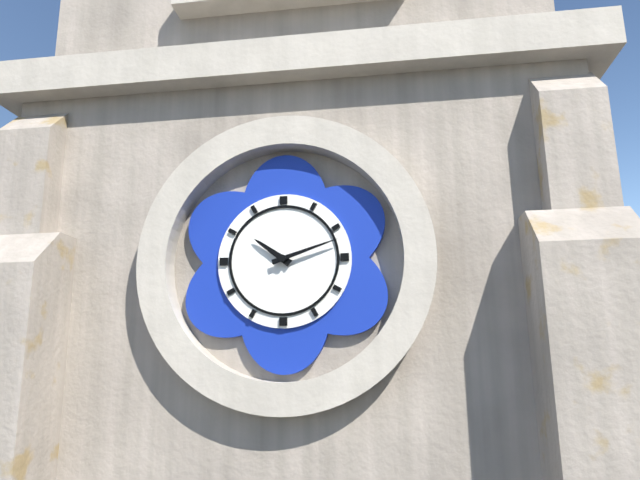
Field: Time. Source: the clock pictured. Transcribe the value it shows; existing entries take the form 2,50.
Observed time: 10,12
